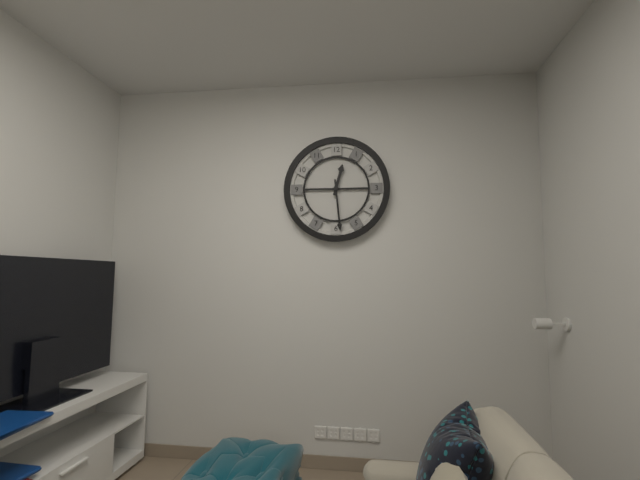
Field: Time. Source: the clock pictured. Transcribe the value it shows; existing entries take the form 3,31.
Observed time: 12,29
